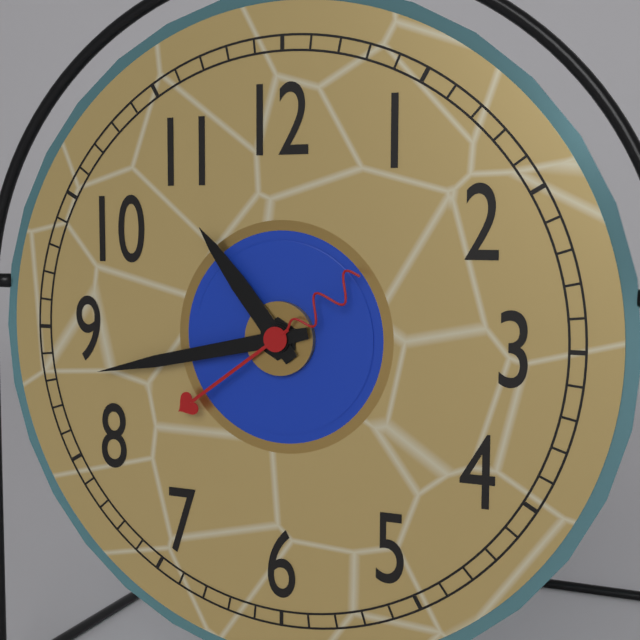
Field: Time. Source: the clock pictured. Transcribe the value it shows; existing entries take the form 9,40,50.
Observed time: 10,43,39
